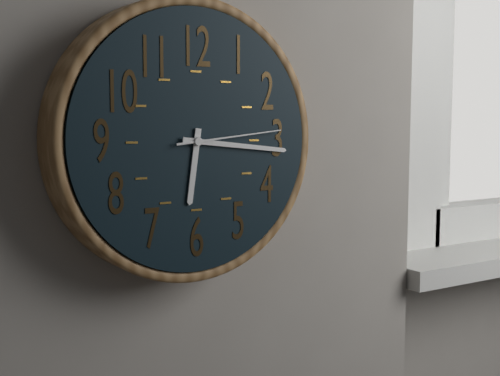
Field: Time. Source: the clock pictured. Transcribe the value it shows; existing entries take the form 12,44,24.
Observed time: 6,16,14
